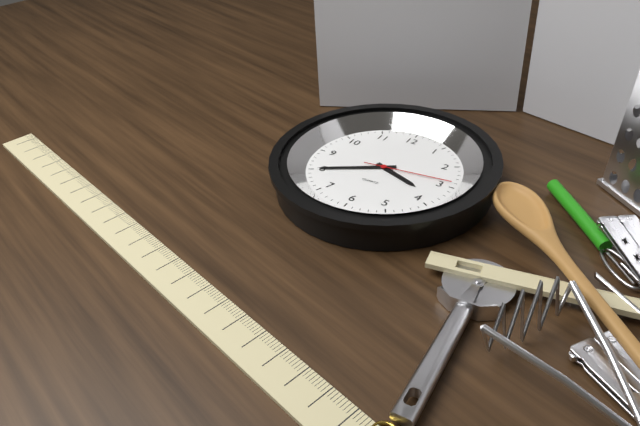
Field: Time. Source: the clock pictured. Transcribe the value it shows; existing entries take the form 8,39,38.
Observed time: 3,40,14
